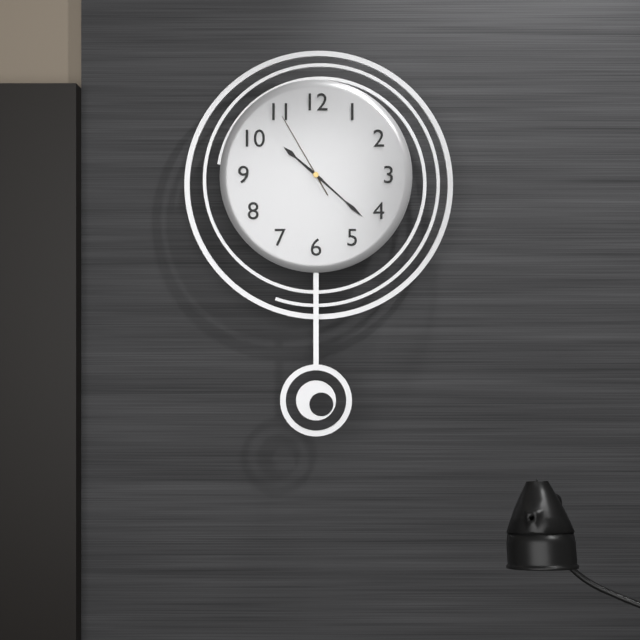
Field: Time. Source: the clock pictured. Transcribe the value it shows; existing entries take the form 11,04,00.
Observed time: 10,22,55
